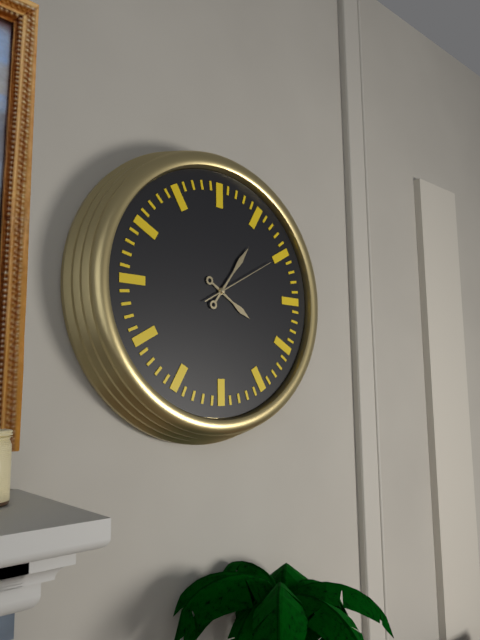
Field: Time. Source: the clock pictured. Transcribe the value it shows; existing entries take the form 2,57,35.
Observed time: 4,06,10
